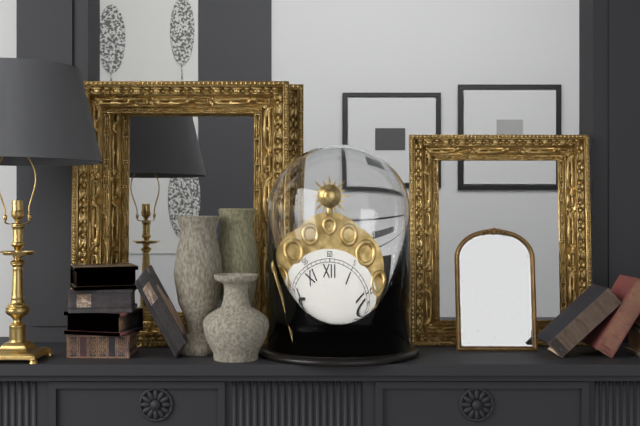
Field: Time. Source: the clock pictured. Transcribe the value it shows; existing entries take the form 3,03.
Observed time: 7,23
